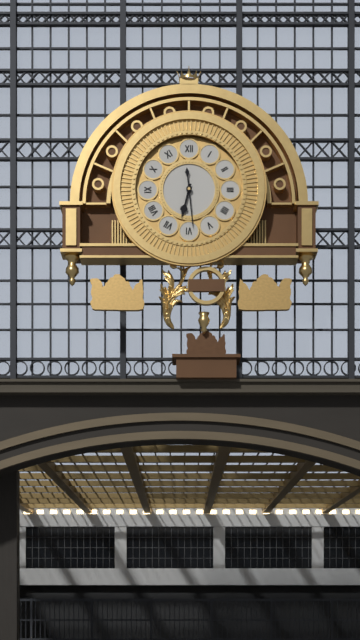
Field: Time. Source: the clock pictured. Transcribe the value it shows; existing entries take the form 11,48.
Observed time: 6,29
